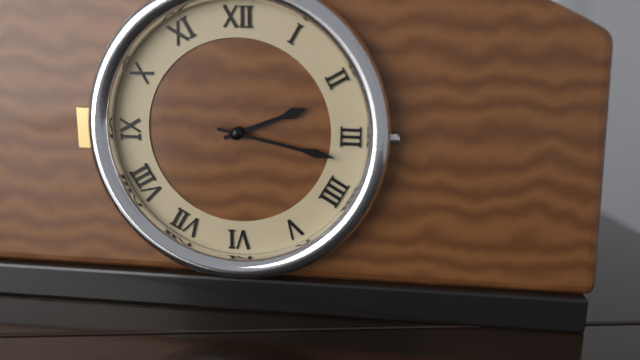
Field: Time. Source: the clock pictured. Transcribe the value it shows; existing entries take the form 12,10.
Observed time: 2,17
